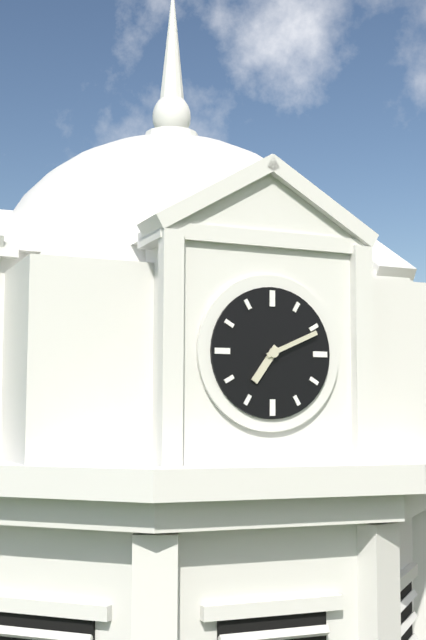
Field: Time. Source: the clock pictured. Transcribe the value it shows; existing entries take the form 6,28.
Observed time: 7,11
